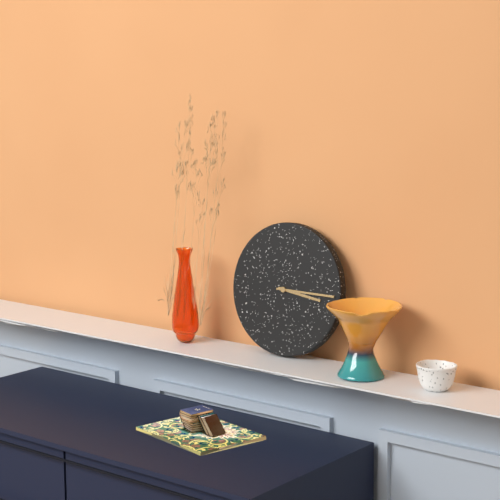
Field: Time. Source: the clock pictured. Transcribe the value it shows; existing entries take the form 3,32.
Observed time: 3,15
